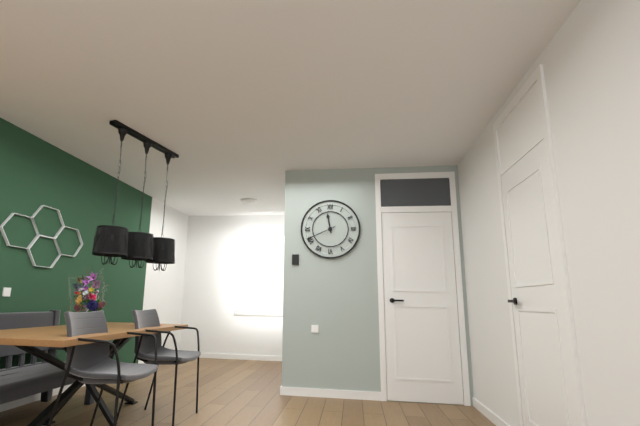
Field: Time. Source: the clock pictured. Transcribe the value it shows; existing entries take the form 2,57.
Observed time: 11,41
